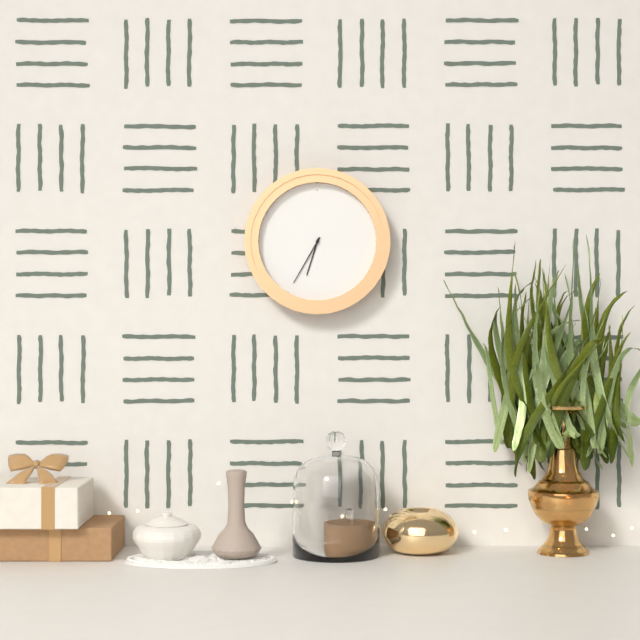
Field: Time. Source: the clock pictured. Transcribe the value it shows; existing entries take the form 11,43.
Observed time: 6,35
